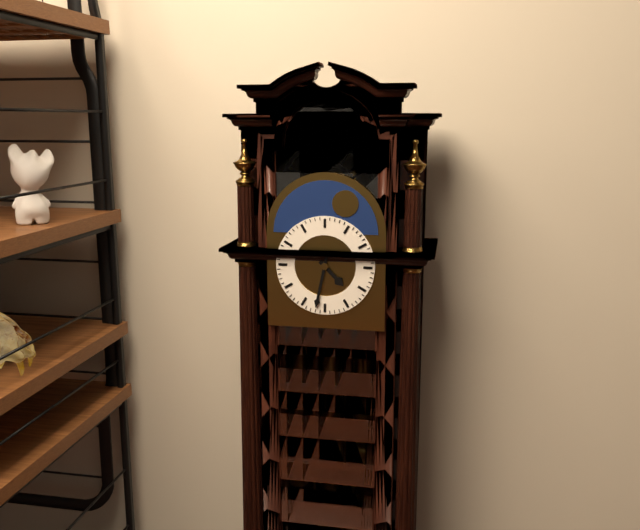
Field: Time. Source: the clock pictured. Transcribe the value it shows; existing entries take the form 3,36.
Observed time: 4,32
